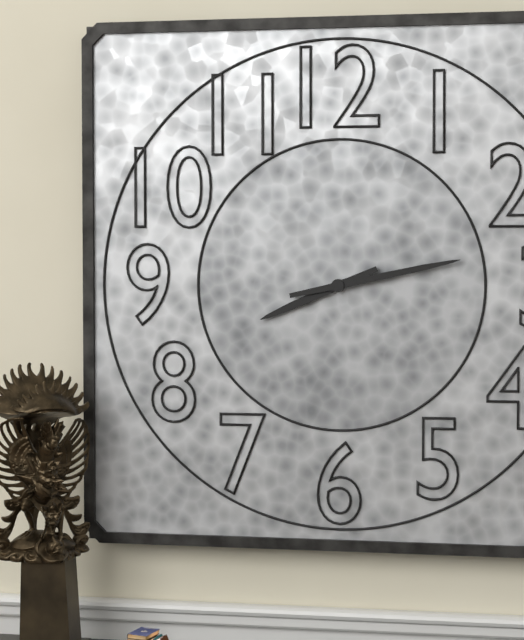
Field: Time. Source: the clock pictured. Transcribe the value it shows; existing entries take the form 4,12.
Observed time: 8,13
